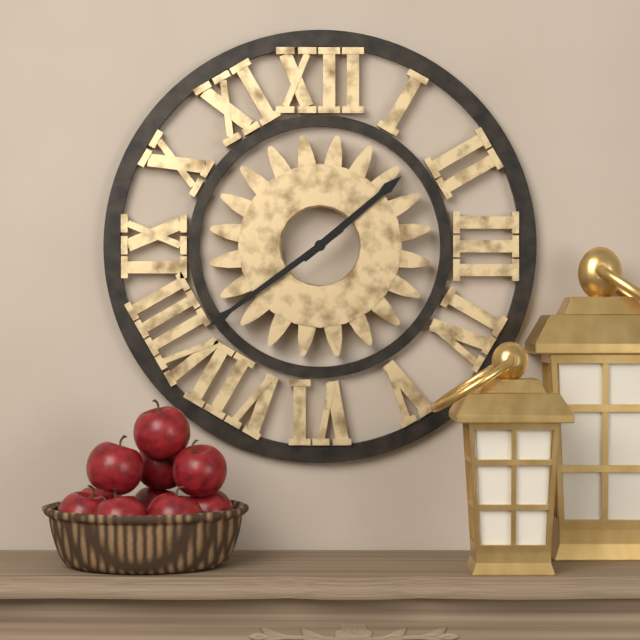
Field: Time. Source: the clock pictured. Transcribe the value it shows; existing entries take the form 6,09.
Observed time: 1,39
